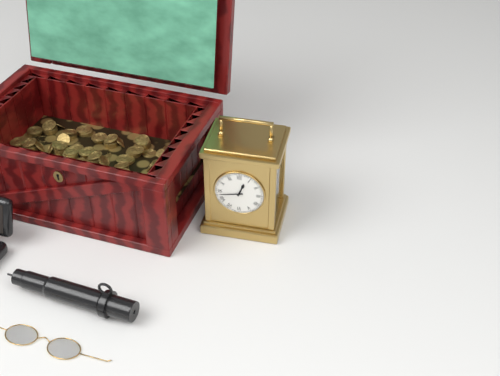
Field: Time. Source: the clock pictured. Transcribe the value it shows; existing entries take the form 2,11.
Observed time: 12,43
